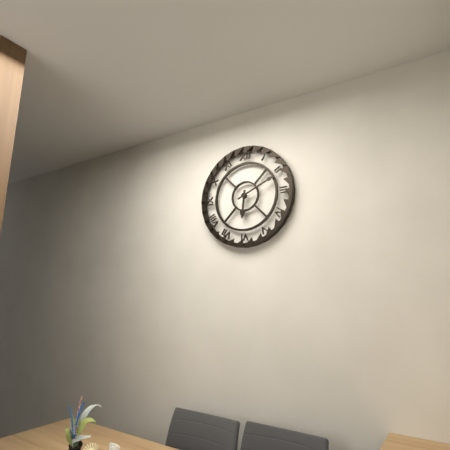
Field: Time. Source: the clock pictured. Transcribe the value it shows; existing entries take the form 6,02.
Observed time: 6,11
